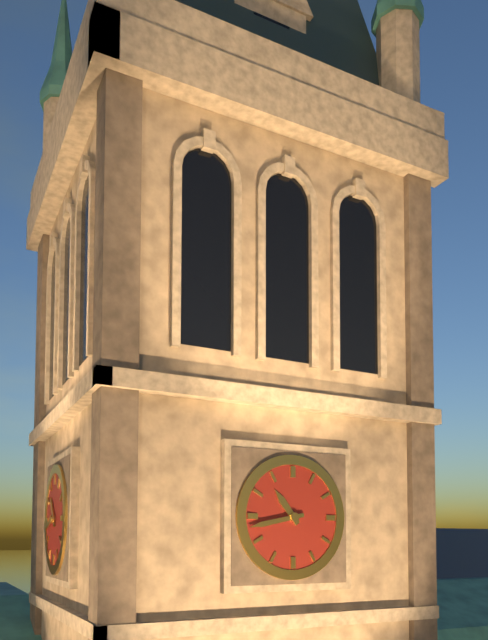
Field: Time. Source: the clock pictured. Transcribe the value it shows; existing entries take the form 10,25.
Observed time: 10,43
